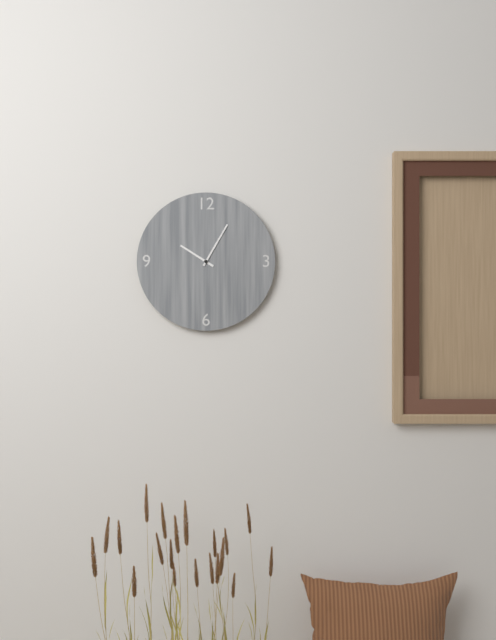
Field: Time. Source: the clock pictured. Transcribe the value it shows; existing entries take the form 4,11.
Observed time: 10,05
